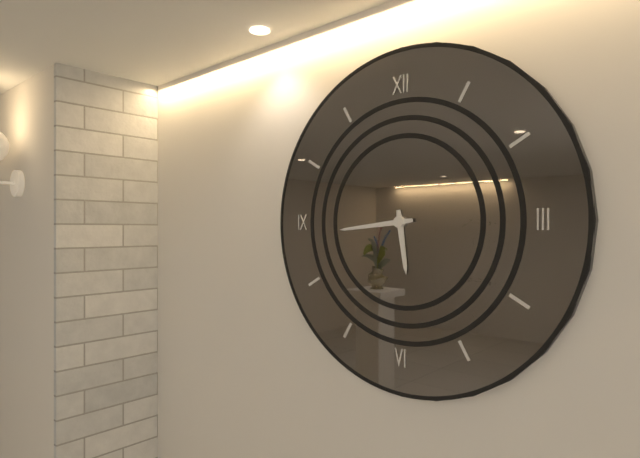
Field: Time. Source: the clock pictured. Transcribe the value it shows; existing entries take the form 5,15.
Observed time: 5,44
